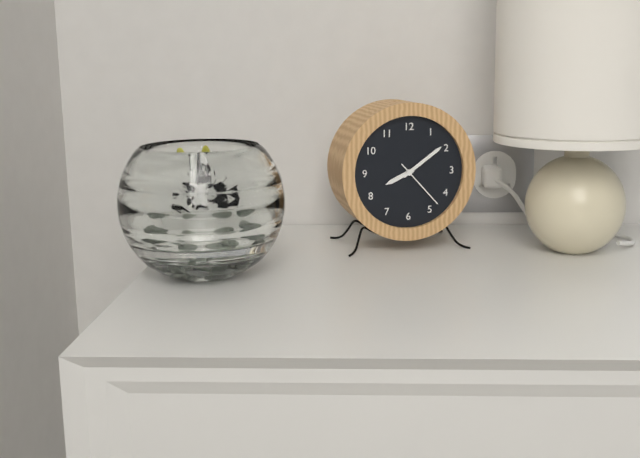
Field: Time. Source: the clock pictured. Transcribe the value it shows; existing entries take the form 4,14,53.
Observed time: 8,09,23
